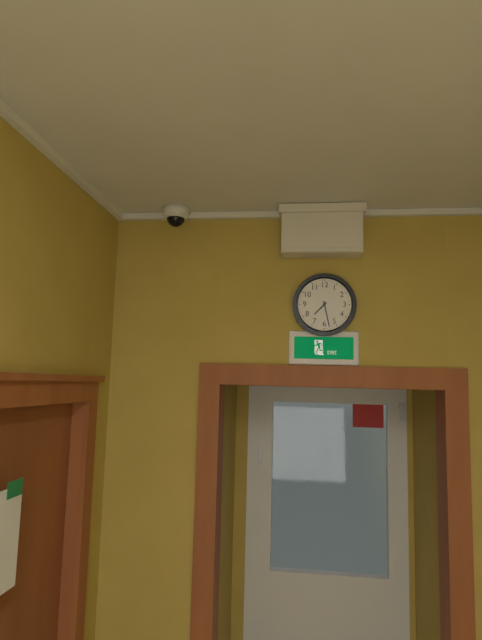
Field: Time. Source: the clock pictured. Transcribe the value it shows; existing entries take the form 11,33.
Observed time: 7,28
